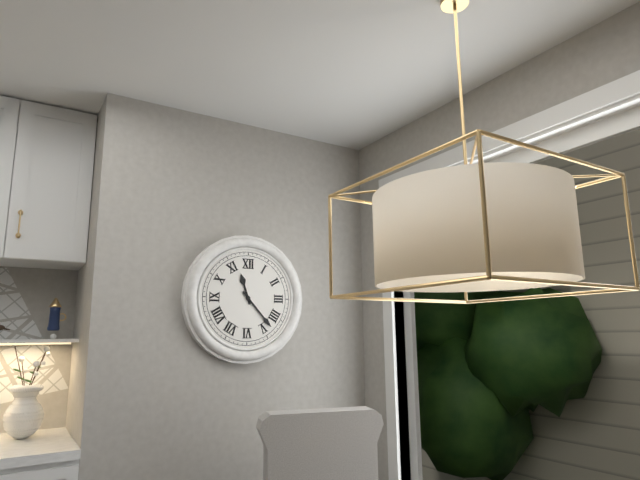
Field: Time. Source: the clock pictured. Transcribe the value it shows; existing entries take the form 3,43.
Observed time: 11,23
